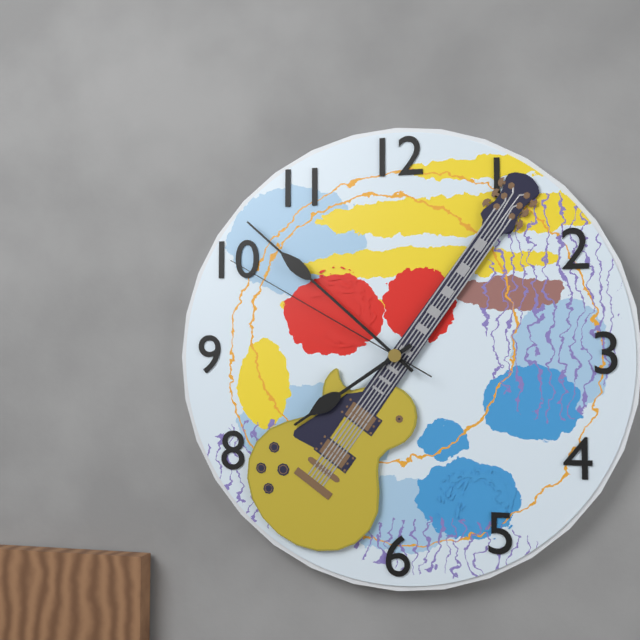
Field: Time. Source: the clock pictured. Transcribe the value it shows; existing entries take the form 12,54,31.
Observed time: 7,52,50
